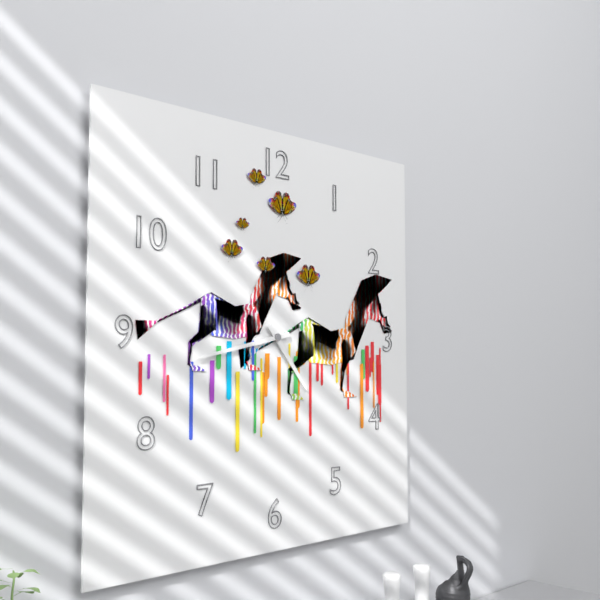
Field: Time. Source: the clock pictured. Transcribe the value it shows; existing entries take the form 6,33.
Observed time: 4,43
